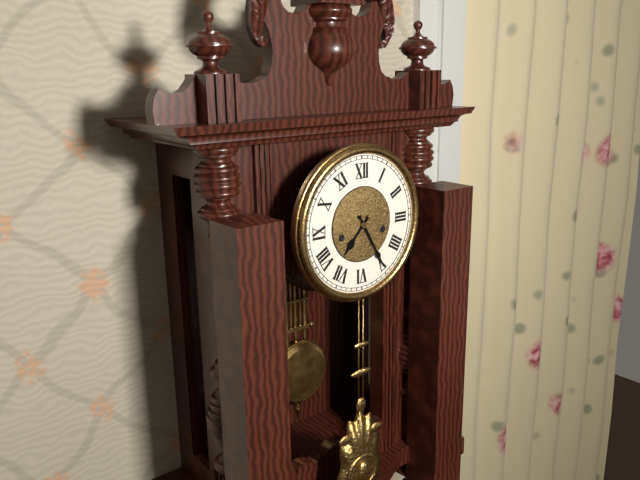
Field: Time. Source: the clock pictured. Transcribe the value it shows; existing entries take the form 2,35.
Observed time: 7,25
